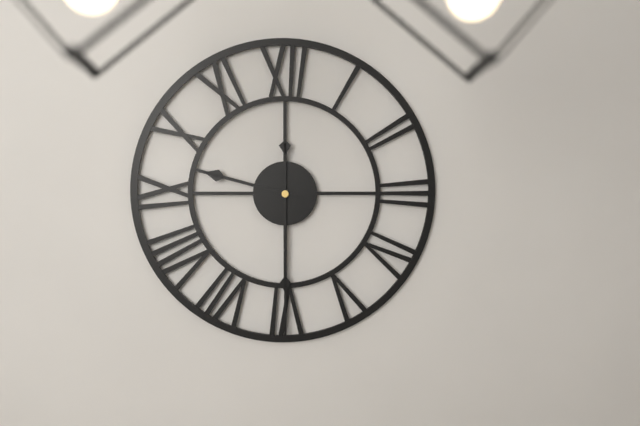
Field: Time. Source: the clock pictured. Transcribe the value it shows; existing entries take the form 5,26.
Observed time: 9,30
